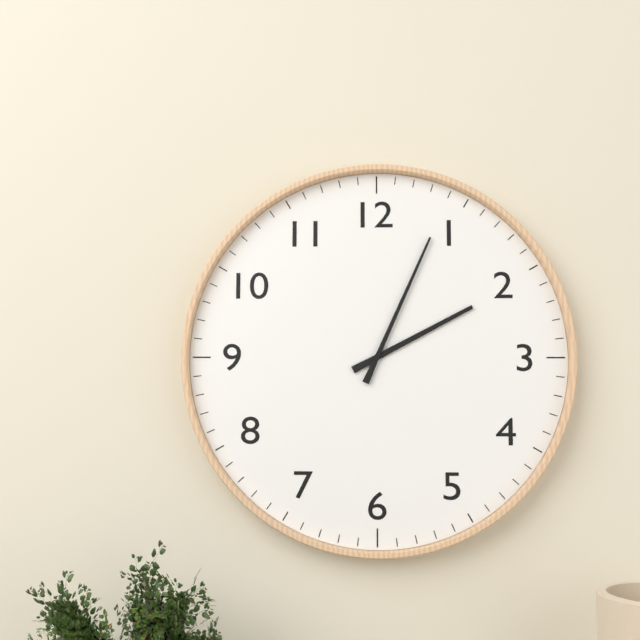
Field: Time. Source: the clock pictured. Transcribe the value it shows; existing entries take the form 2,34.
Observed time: 2,04
